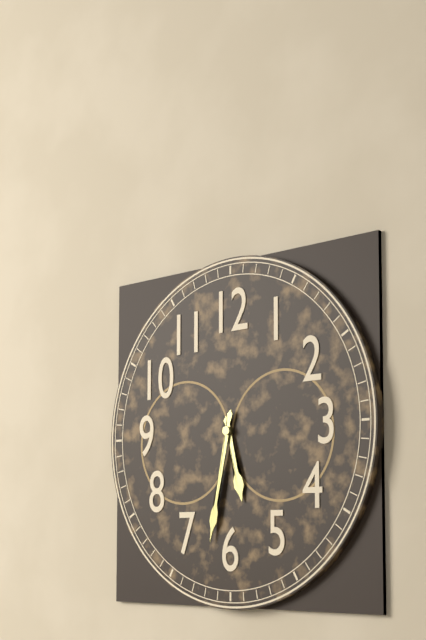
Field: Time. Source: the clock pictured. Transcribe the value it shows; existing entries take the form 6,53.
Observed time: 5,32
